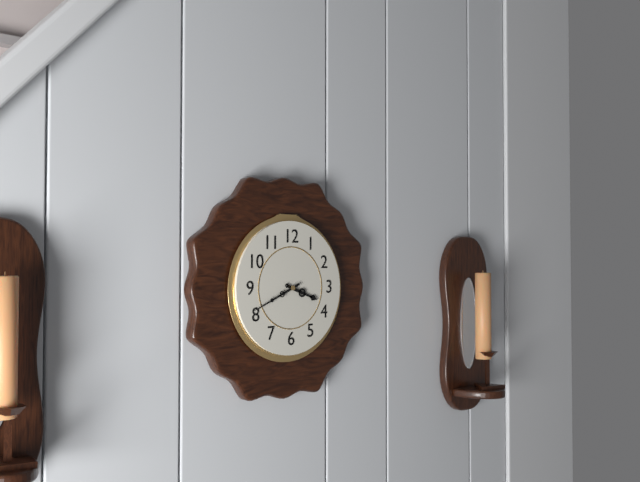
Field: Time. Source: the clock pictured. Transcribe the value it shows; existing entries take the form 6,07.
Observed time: 3,41
